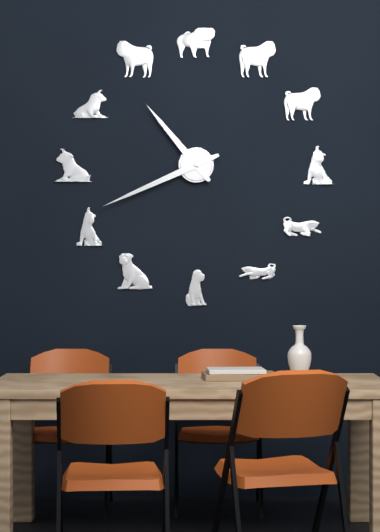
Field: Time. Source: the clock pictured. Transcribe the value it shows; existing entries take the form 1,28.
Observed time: 10,41
